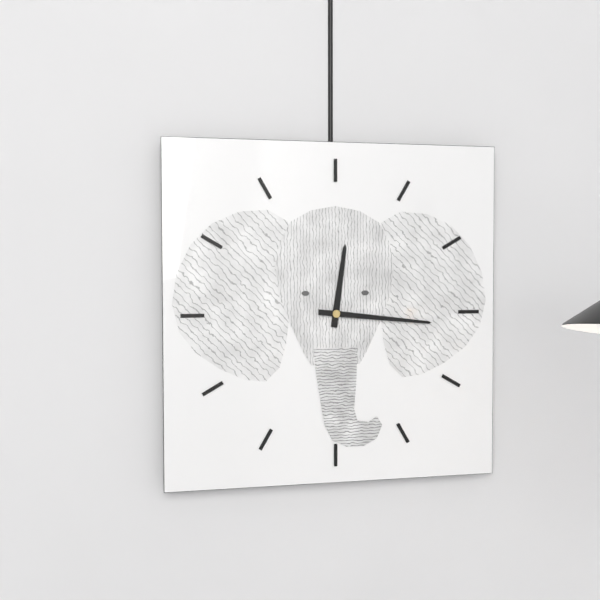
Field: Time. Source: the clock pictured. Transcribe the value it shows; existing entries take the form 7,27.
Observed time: 12,16
